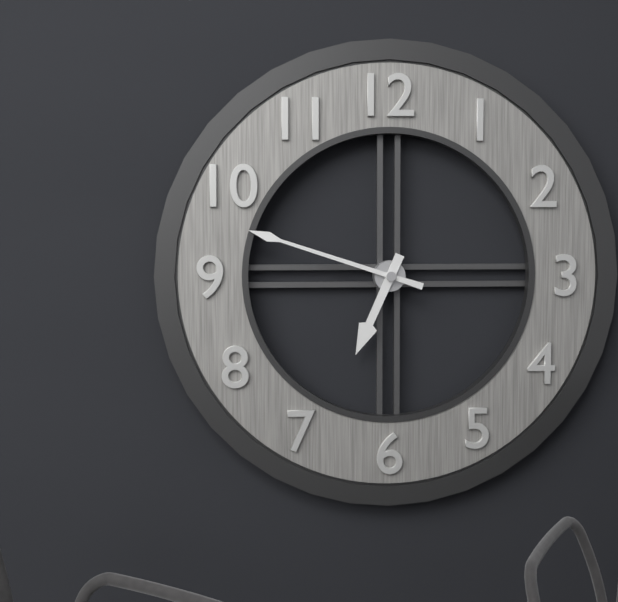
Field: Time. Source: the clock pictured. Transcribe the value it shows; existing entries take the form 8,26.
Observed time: 6,48
